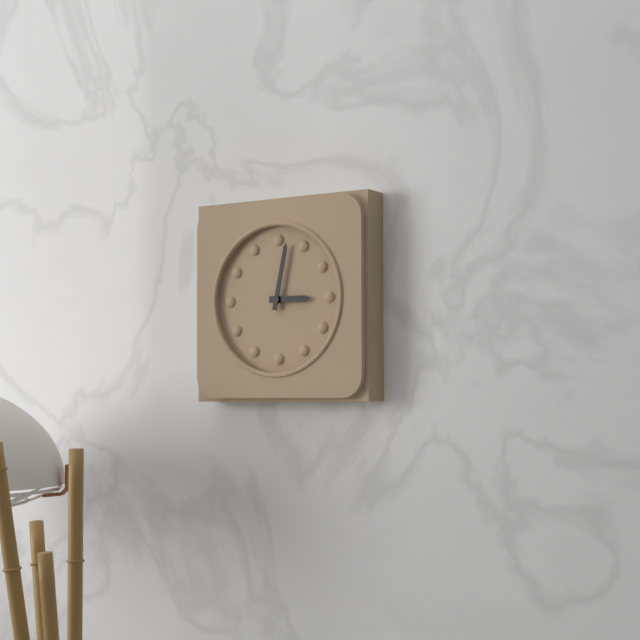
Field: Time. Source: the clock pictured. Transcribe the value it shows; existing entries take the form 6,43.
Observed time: 3,02
